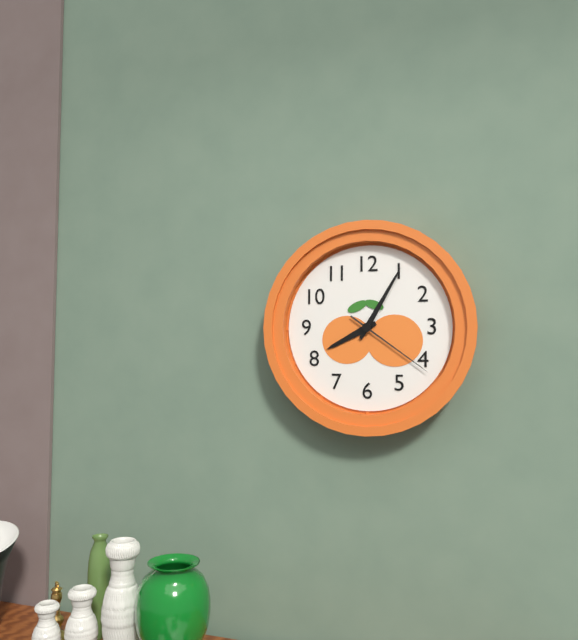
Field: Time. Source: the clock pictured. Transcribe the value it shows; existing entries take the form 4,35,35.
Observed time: 8,05,21
